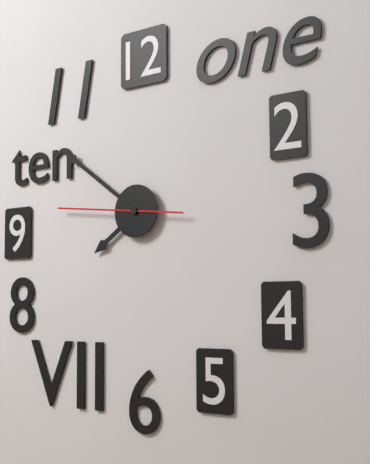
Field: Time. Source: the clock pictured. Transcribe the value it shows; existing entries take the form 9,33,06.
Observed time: 7,51,46
